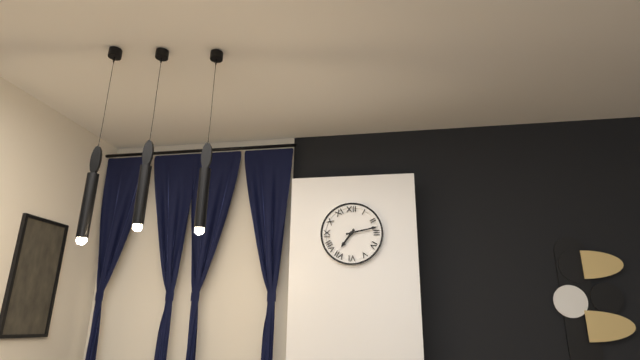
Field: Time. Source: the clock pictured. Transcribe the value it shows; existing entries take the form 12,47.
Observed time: 7,13
